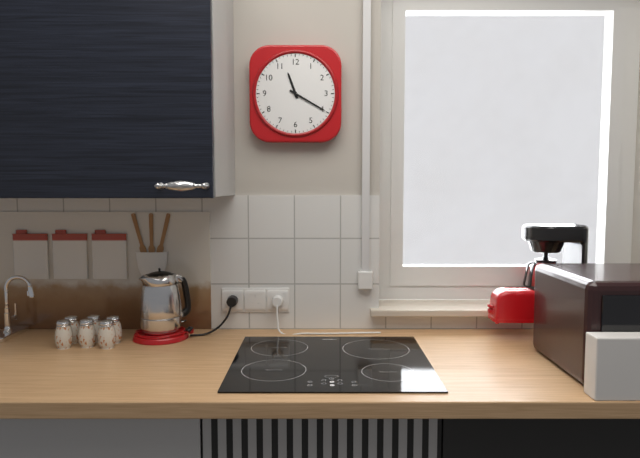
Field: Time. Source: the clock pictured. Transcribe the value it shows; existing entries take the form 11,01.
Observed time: 11,20
